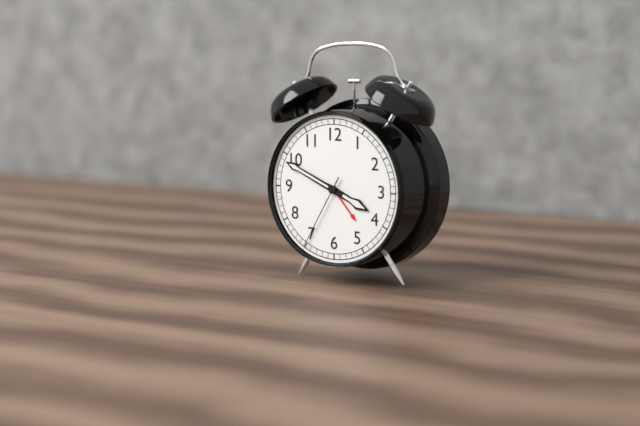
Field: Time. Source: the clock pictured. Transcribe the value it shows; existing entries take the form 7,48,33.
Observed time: 3,49,35
